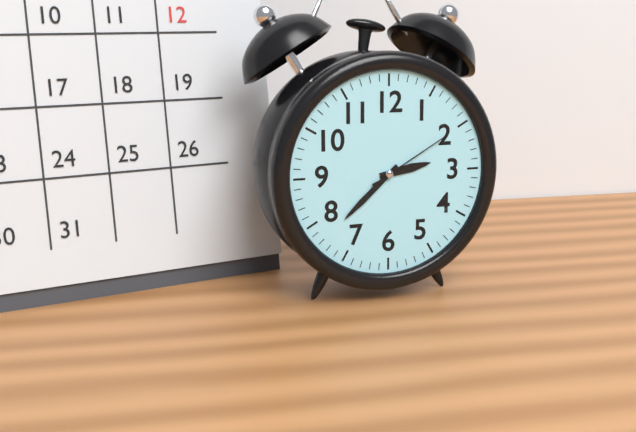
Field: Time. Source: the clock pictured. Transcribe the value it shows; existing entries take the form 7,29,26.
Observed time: 2,38,10
